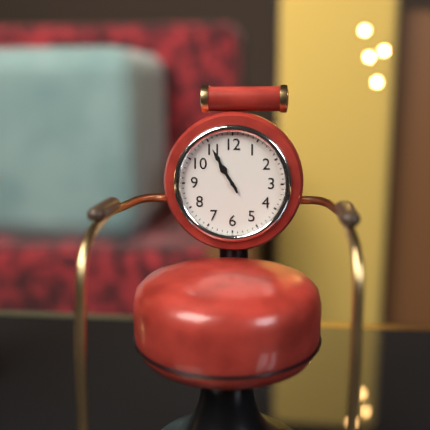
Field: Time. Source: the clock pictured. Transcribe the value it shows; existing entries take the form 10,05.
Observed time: 10,55
